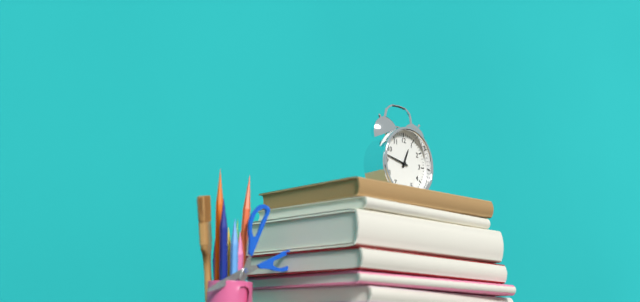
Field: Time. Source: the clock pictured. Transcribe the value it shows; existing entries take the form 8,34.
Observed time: 12,47
